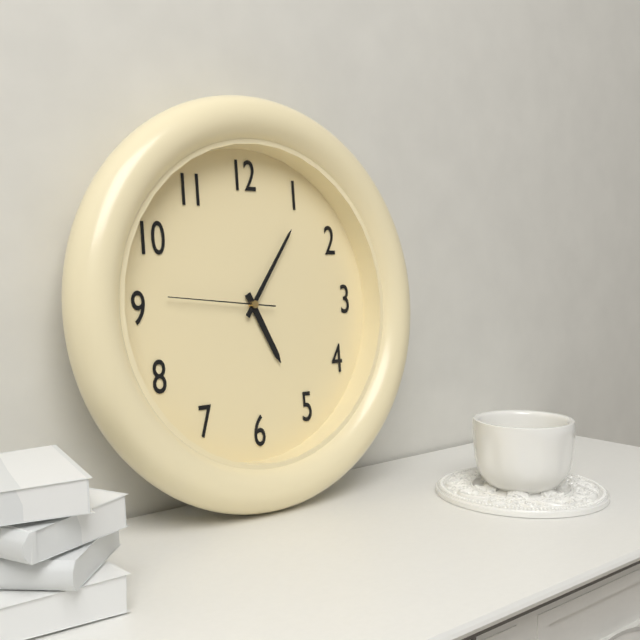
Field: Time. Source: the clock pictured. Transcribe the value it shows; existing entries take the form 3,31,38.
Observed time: 5,06,46
